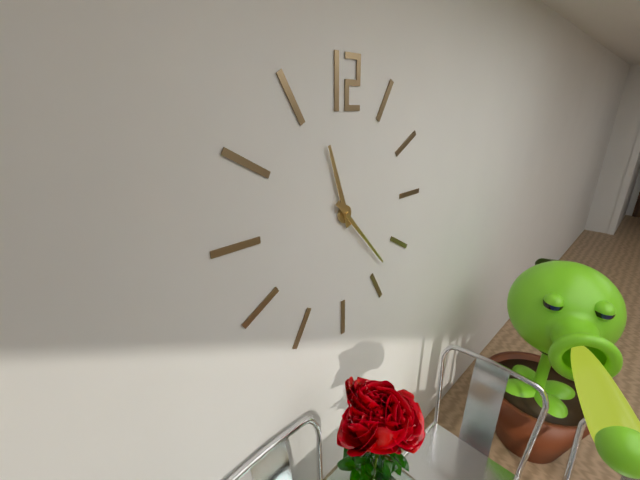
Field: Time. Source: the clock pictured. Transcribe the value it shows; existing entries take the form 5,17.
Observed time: 11,23
